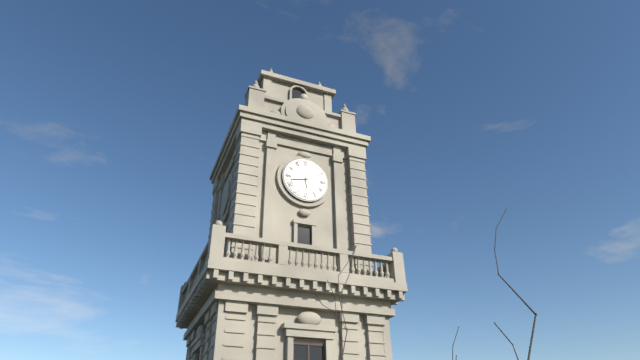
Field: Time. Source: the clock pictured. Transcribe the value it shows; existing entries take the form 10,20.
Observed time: 5,43
